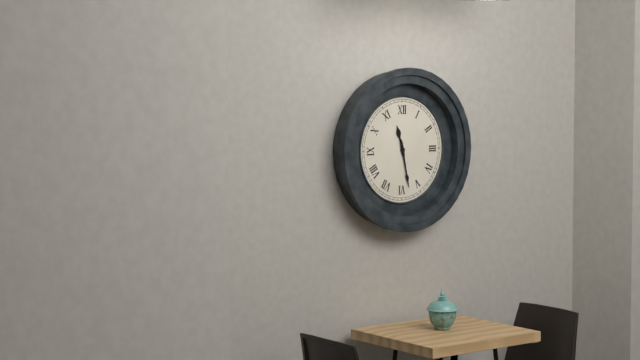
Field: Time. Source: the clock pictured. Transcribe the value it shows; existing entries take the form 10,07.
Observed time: 11,28
